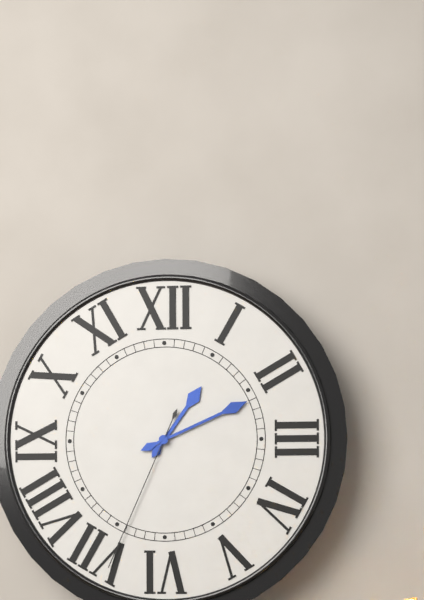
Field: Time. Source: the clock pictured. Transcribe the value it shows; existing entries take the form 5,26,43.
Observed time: 1,11,34
